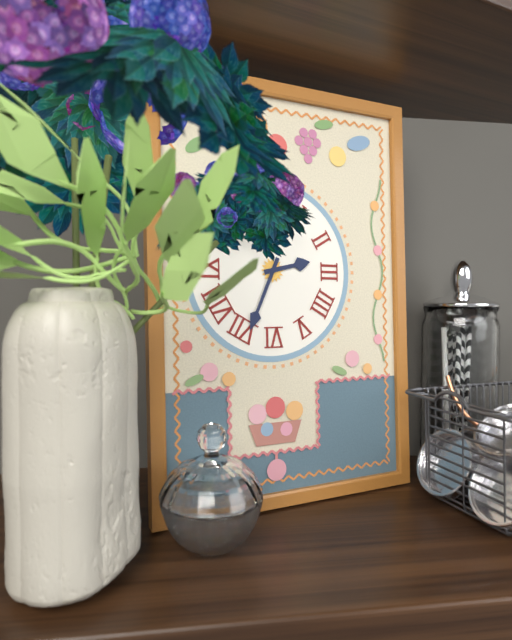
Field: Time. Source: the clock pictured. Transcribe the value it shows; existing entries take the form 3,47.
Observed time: 2,34
